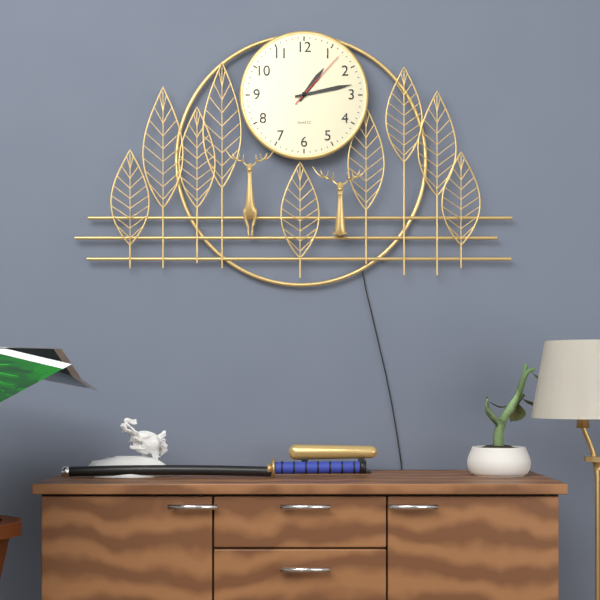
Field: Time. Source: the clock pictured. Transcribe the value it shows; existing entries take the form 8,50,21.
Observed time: 1,13,07
